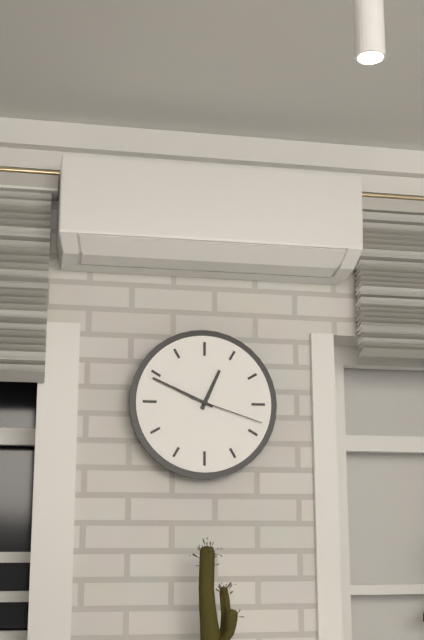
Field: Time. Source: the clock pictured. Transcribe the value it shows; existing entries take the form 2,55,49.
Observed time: 12,49,18
